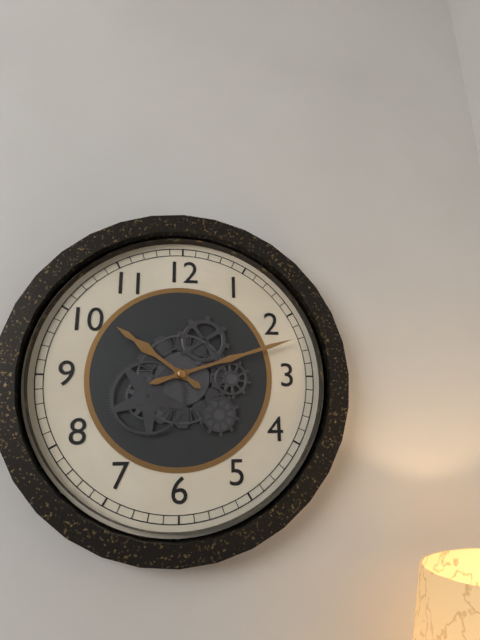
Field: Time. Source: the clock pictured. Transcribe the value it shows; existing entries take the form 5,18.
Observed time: 10,12
